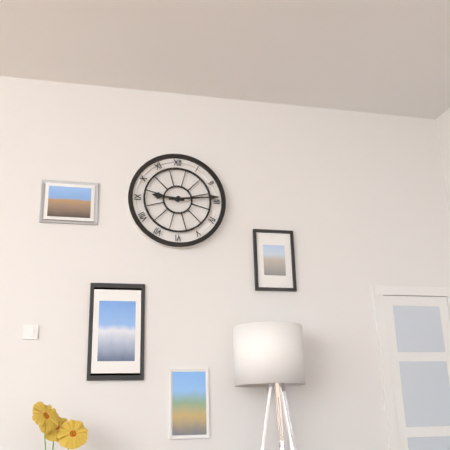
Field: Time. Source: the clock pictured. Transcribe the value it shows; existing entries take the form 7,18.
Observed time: 9,14
